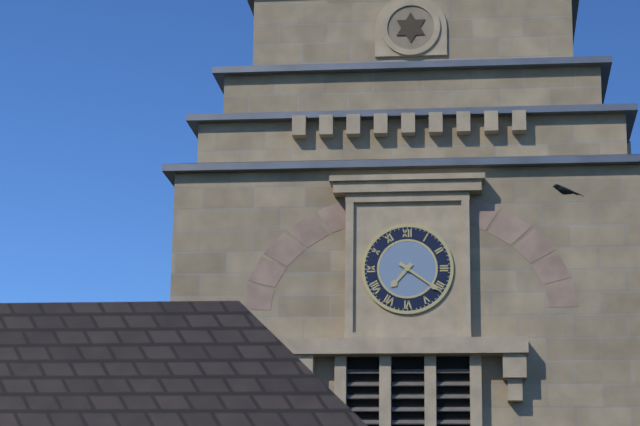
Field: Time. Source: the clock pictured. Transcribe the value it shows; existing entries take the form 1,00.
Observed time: 7,21
